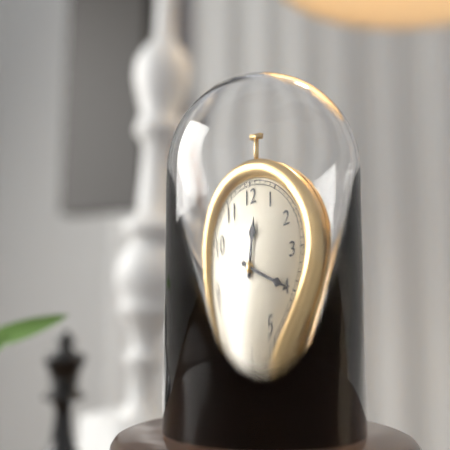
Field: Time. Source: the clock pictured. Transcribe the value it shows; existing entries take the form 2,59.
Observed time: 12,20
